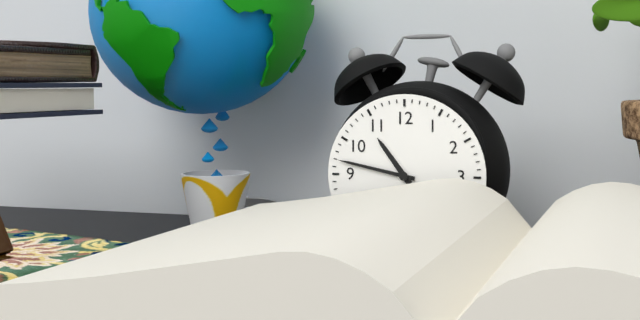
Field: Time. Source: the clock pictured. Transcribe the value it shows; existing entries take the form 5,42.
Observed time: 10,47
